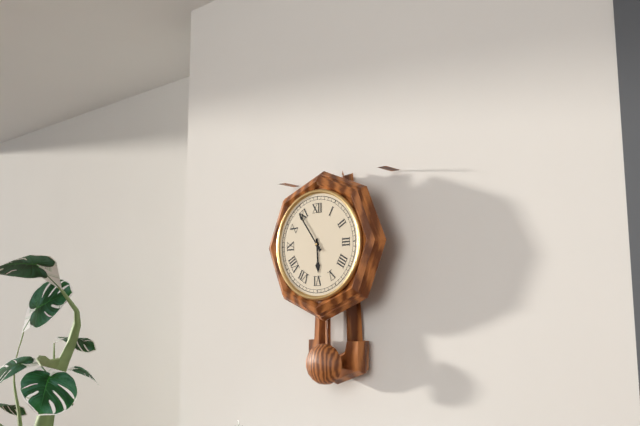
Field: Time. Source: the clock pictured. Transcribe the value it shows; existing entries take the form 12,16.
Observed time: 5,54
